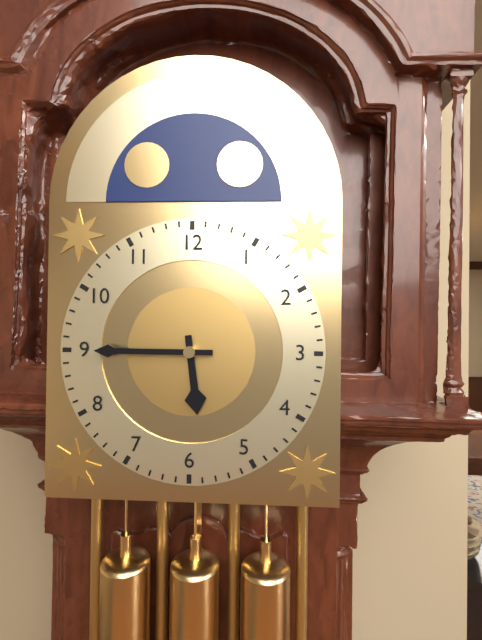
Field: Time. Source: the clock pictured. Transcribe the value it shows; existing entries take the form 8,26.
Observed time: 5,45
